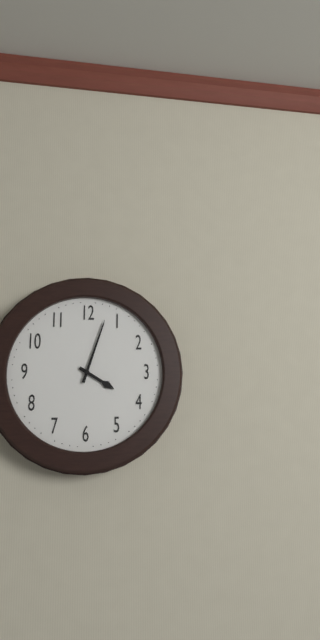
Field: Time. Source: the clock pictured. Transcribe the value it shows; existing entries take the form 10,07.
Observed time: 4,03
